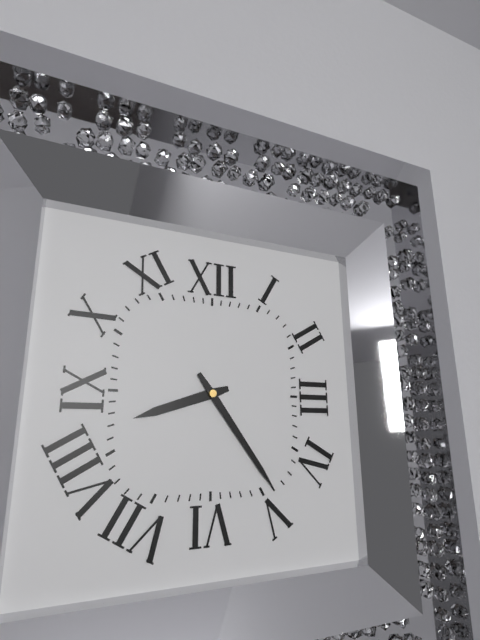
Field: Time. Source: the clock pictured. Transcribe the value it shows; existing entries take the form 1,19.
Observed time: 8,24
